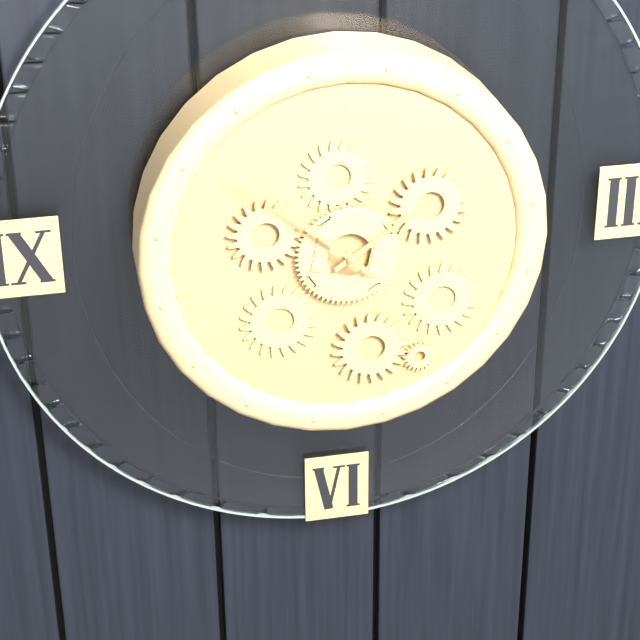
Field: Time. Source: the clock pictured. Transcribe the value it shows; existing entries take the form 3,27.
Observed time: 1,52
